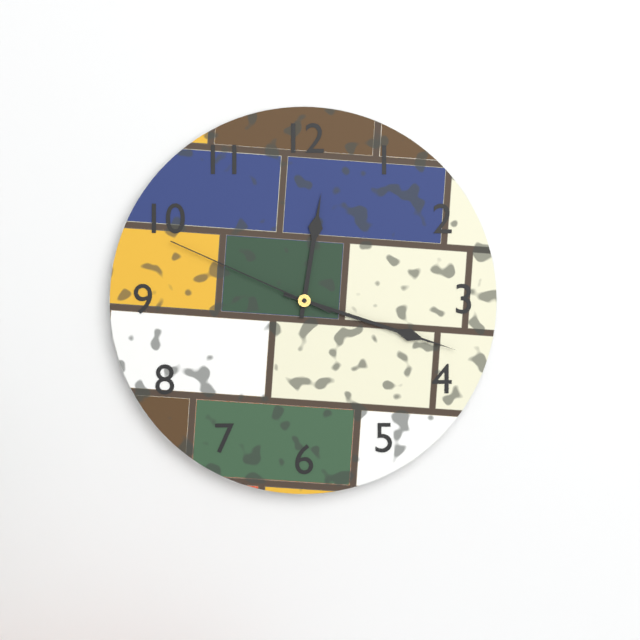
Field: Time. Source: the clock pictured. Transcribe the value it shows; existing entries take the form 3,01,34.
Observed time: 12,18,49
